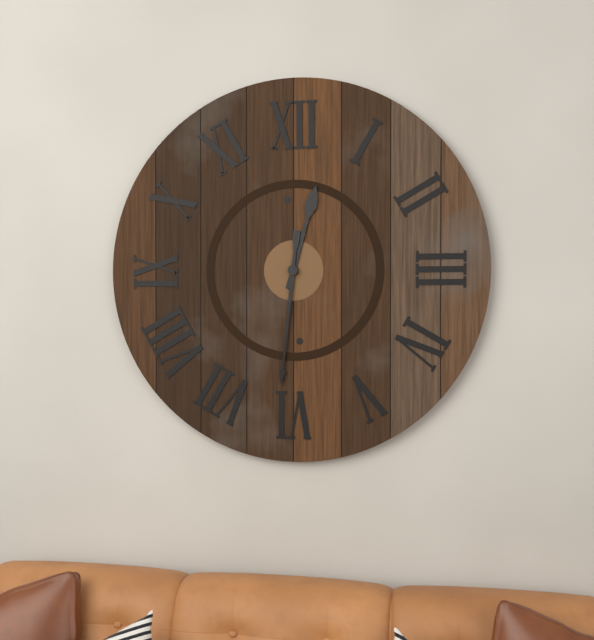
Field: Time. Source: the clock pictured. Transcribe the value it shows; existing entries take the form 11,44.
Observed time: 12,31
